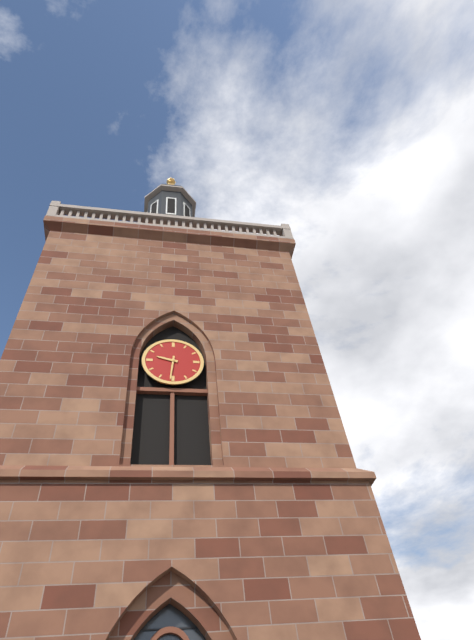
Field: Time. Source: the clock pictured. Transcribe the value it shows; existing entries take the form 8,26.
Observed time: 9,31
